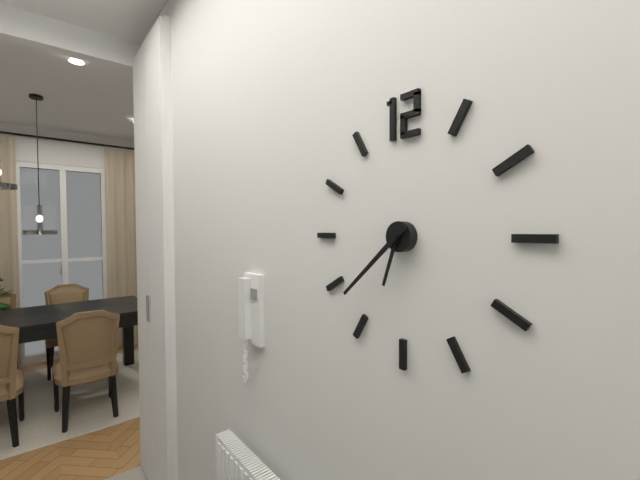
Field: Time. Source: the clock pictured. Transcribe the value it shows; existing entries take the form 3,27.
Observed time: 6,38
